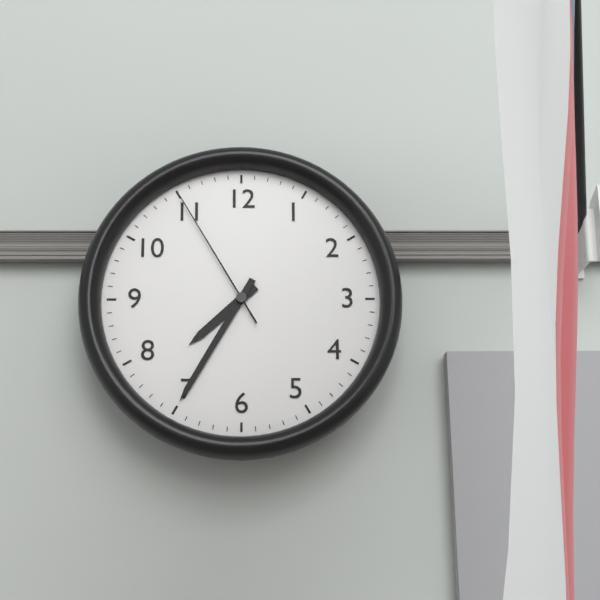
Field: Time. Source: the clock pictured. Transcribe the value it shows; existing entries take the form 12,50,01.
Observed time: 7,35,55
